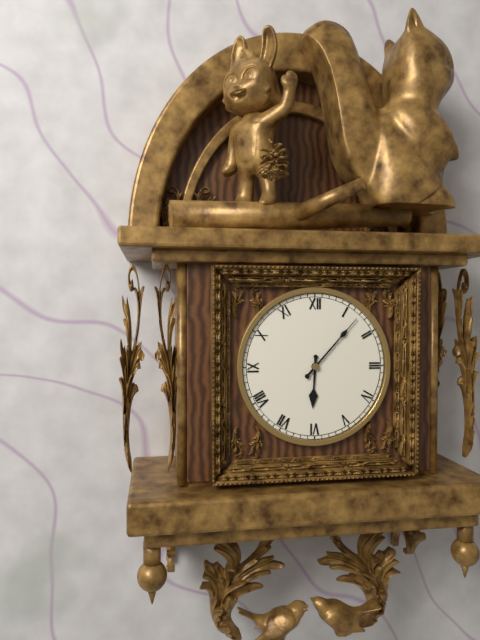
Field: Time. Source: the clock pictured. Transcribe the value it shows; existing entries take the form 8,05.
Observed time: 6,07
